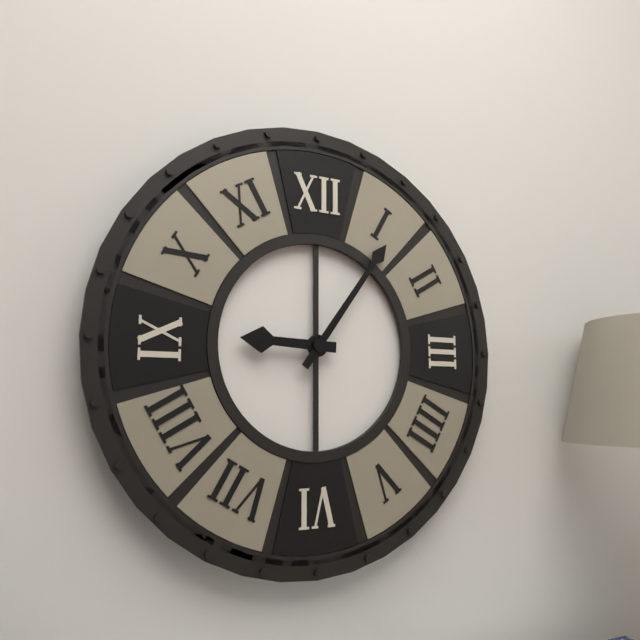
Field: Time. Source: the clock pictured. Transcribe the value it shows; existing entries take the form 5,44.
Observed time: 9,06
